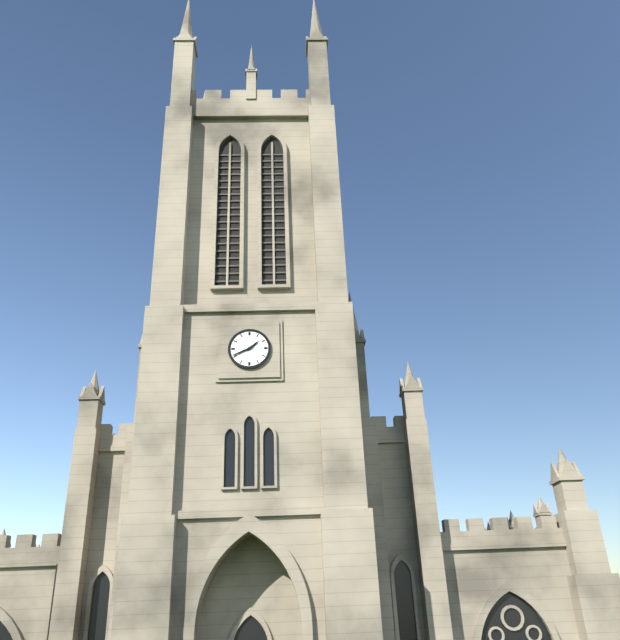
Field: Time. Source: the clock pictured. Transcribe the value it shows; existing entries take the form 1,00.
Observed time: 1,41
